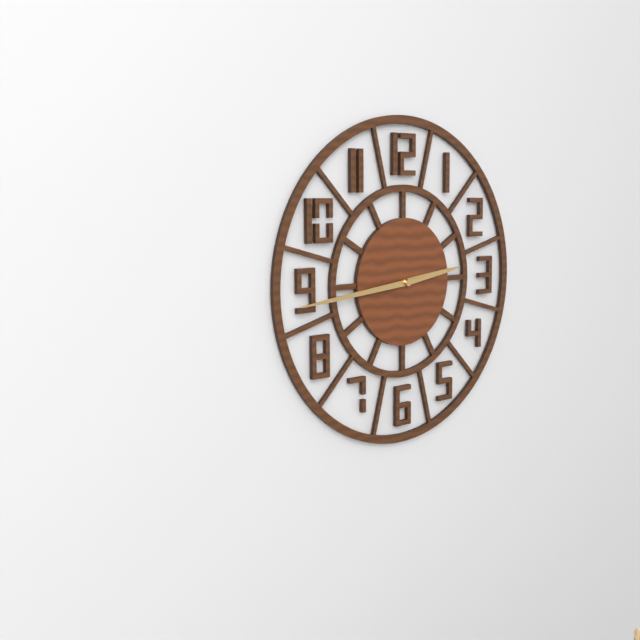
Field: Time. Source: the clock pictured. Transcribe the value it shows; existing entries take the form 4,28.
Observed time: 2,44
